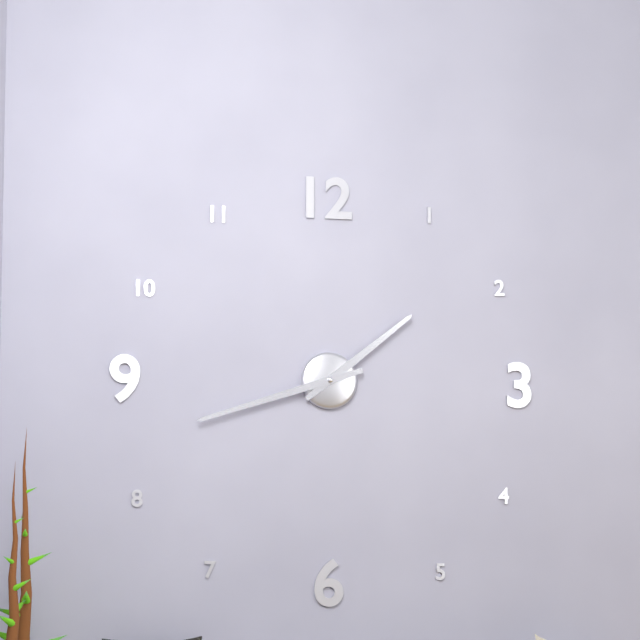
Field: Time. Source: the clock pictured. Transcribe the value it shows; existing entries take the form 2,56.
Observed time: 1,42
